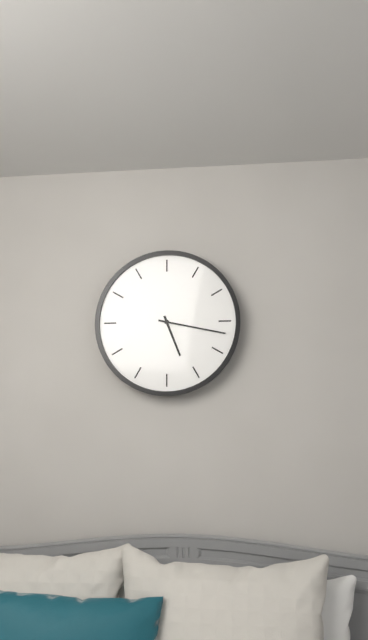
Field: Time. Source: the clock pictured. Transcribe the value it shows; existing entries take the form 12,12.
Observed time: 5,17
